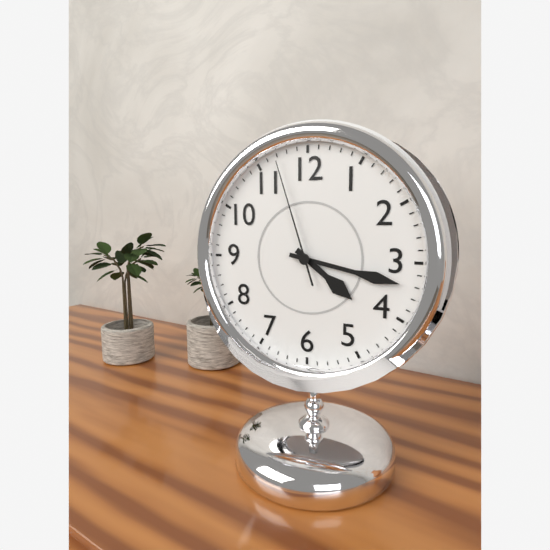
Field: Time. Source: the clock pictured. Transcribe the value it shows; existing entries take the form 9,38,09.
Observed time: 4,17,57
